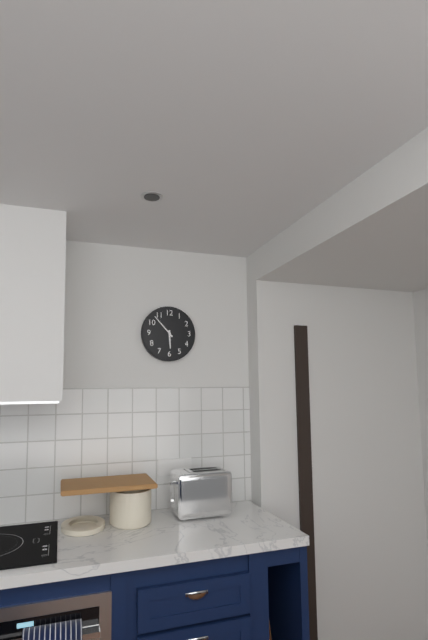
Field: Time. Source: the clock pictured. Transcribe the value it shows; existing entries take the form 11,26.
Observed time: 5,53
